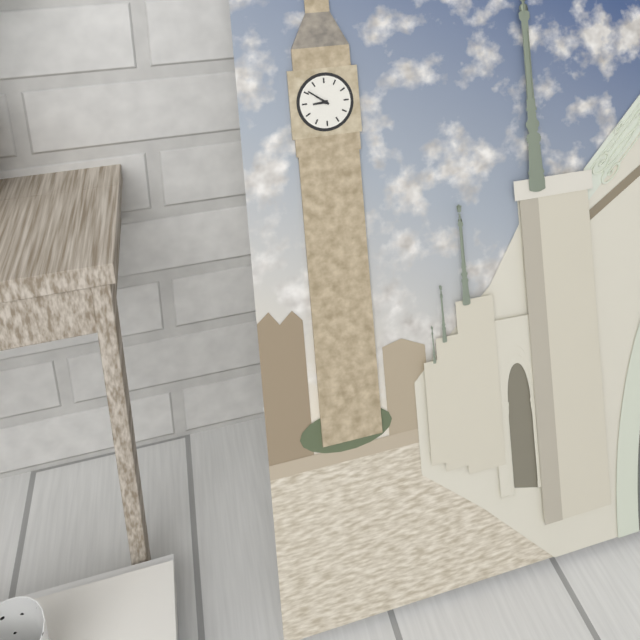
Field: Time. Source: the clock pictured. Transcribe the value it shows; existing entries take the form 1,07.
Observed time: 8,51
